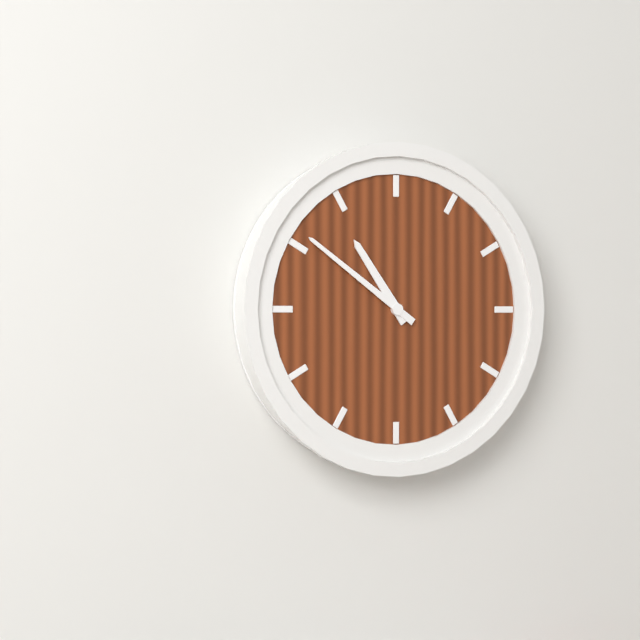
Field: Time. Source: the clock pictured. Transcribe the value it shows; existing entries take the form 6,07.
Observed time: 10,51
